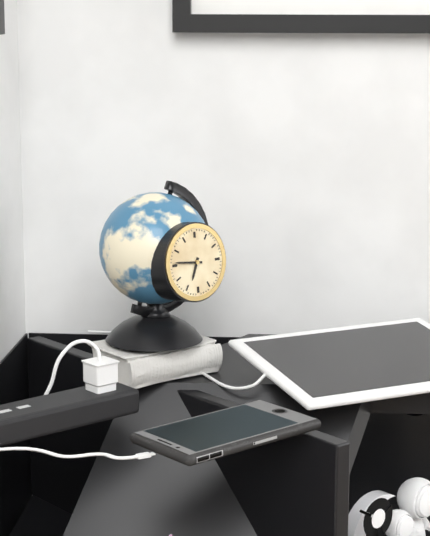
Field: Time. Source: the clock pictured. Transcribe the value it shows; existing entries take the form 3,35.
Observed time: 6,46
